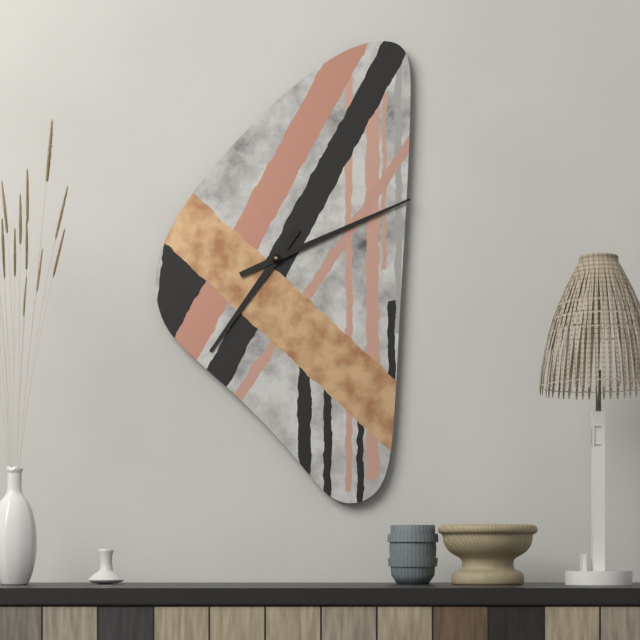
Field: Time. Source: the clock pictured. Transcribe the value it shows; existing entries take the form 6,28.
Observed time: 7,11
